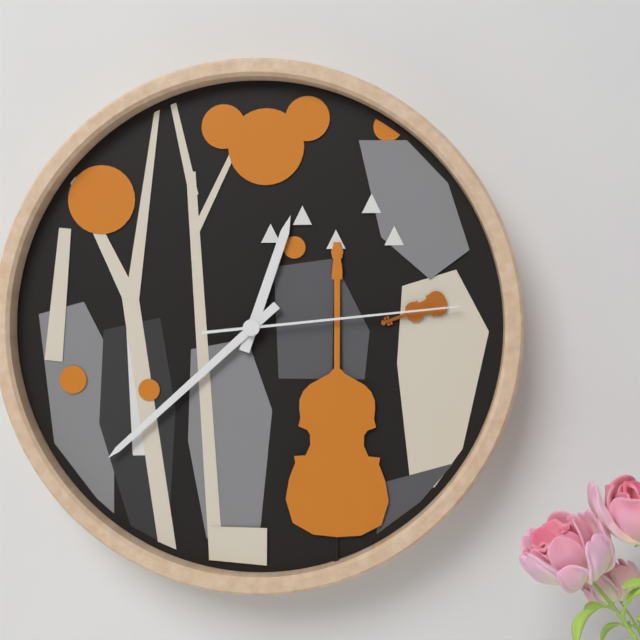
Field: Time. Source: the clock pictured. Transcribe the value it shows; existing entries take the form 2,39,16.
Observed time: 12,38,14
